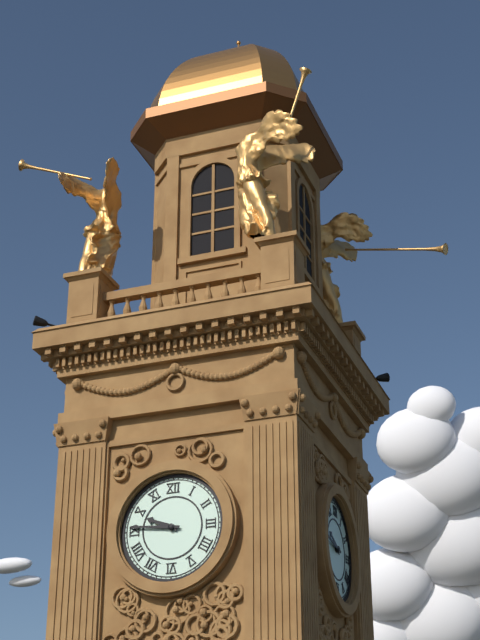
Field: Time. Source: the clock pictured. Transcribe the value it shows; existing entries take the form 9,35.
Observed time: 9,46
